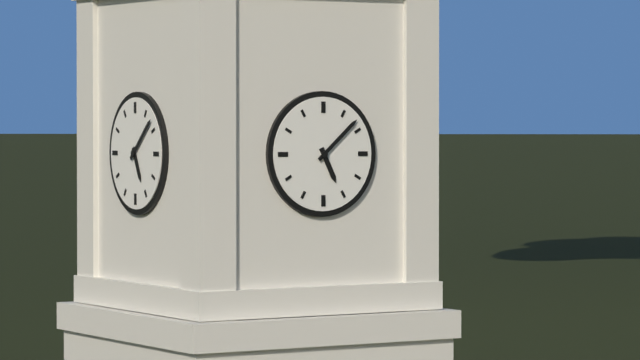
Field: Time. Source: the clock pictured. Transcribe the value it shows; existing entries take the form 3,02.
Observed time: 5,08
